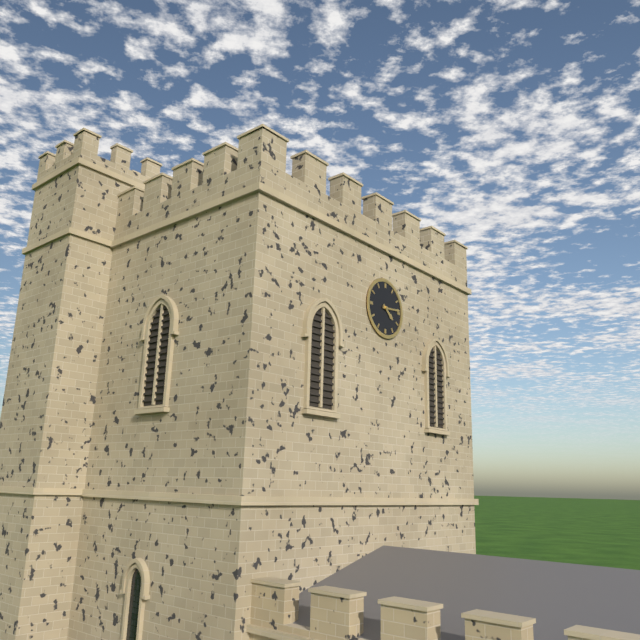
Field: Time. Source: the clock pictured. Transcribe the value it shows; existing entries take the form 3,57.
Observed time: 4,14
